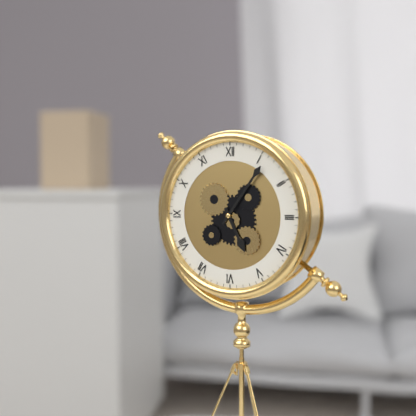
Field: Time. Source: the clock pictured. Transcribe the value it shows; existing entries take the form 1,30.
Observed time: 5,06
